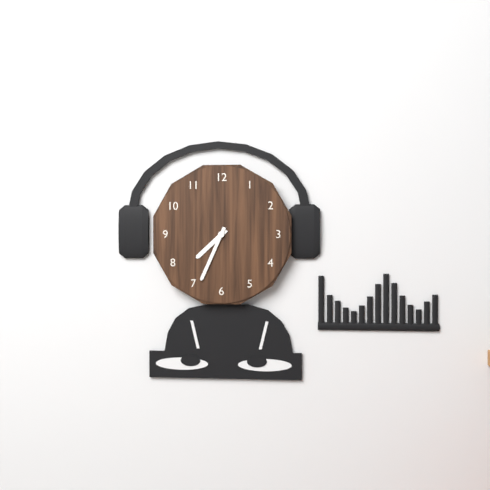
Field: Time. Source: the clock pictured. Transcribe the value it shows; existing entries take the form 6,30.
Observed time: 7,34
